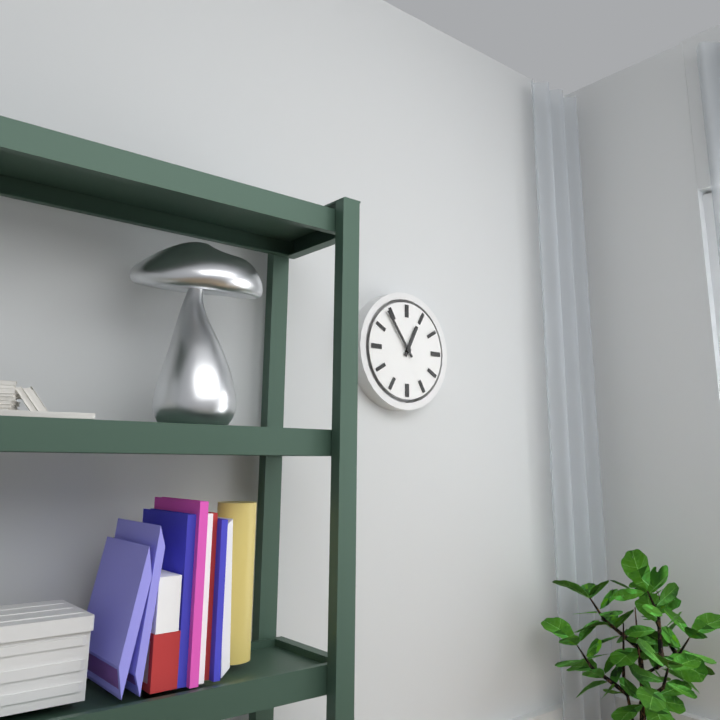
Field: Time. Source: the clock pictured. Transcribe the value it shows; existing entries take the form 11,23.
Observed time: 12,54
